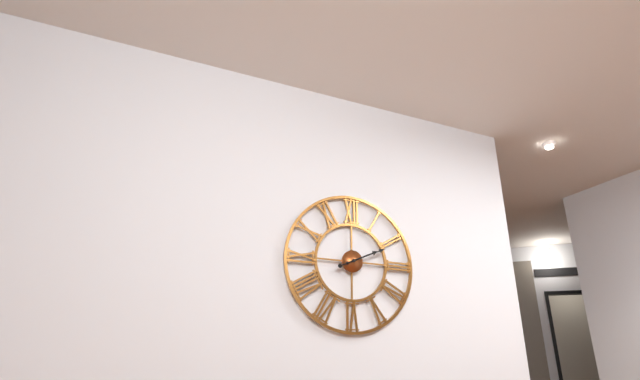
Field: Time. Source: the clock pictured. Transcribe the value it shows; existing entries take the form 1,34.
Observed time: 2,11
